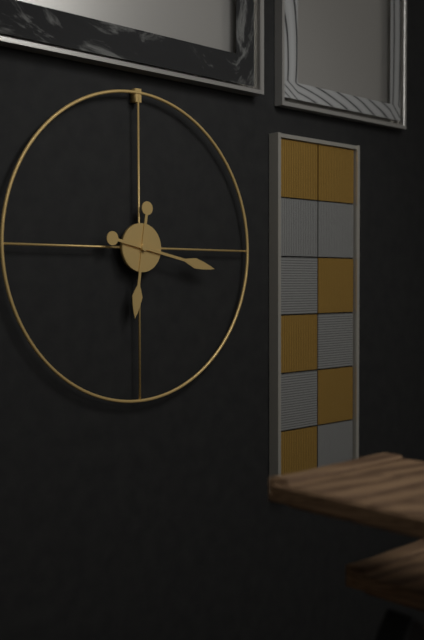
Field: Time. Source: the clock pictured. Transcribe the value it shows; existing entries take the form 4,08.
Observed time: 6,17
